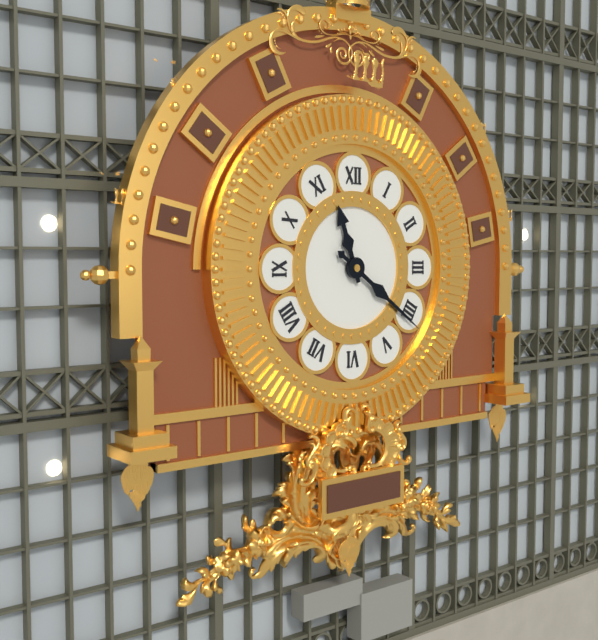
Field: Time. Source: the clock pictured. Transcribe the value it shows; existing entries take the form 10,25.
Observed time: 11,21
